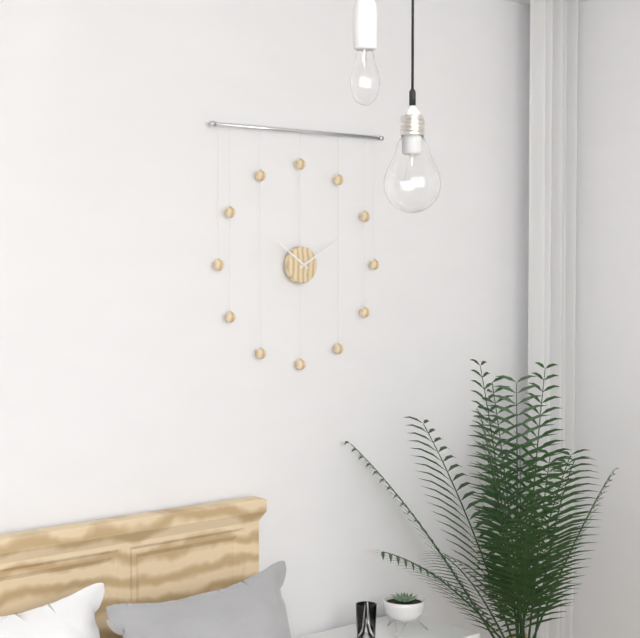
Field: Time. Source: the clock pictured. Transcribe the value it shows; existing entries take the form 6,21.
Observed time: 10,10
